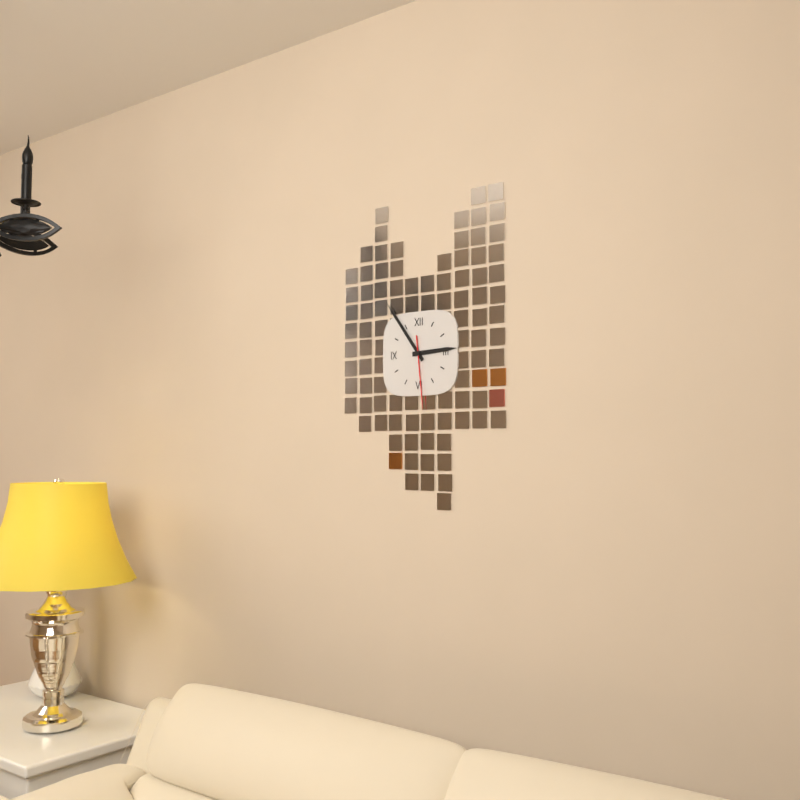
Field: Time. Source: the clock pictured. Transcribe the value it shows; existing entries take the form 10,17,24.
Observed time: 2,54,29
